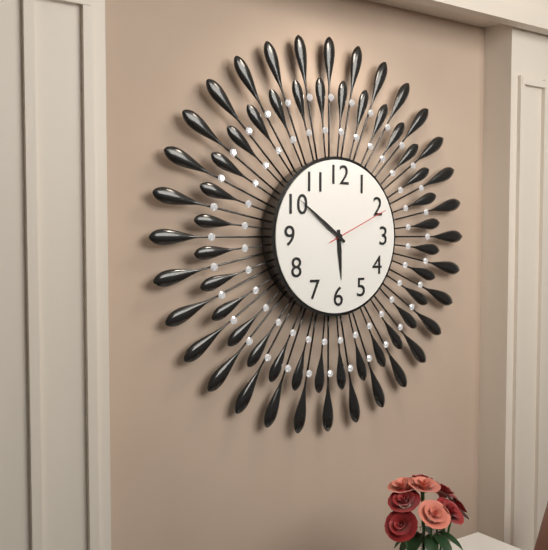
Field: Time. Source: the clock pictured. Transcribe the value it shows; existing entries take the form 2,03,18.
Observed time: 5,51,11
